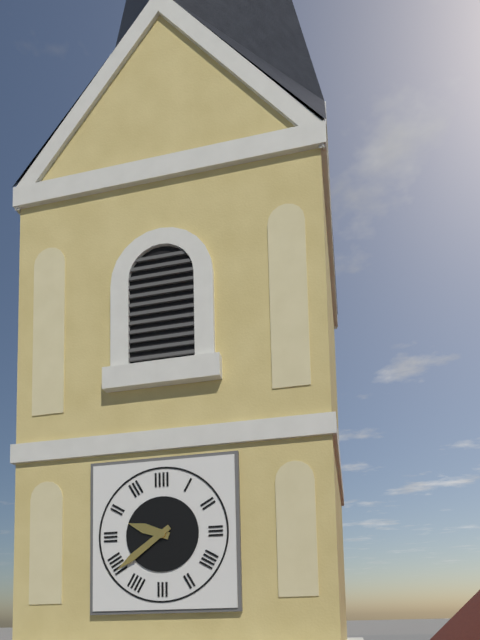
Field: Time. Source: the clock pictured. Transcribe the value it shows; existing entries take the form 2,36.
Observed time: 9,39
